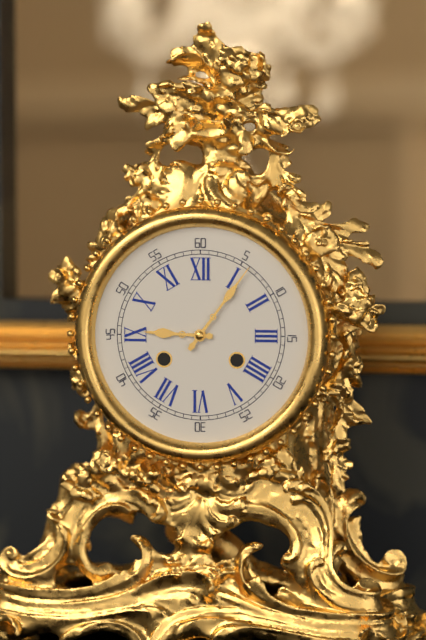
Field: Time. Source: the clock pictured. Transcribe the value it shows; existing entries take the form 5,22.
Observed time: 9,06
